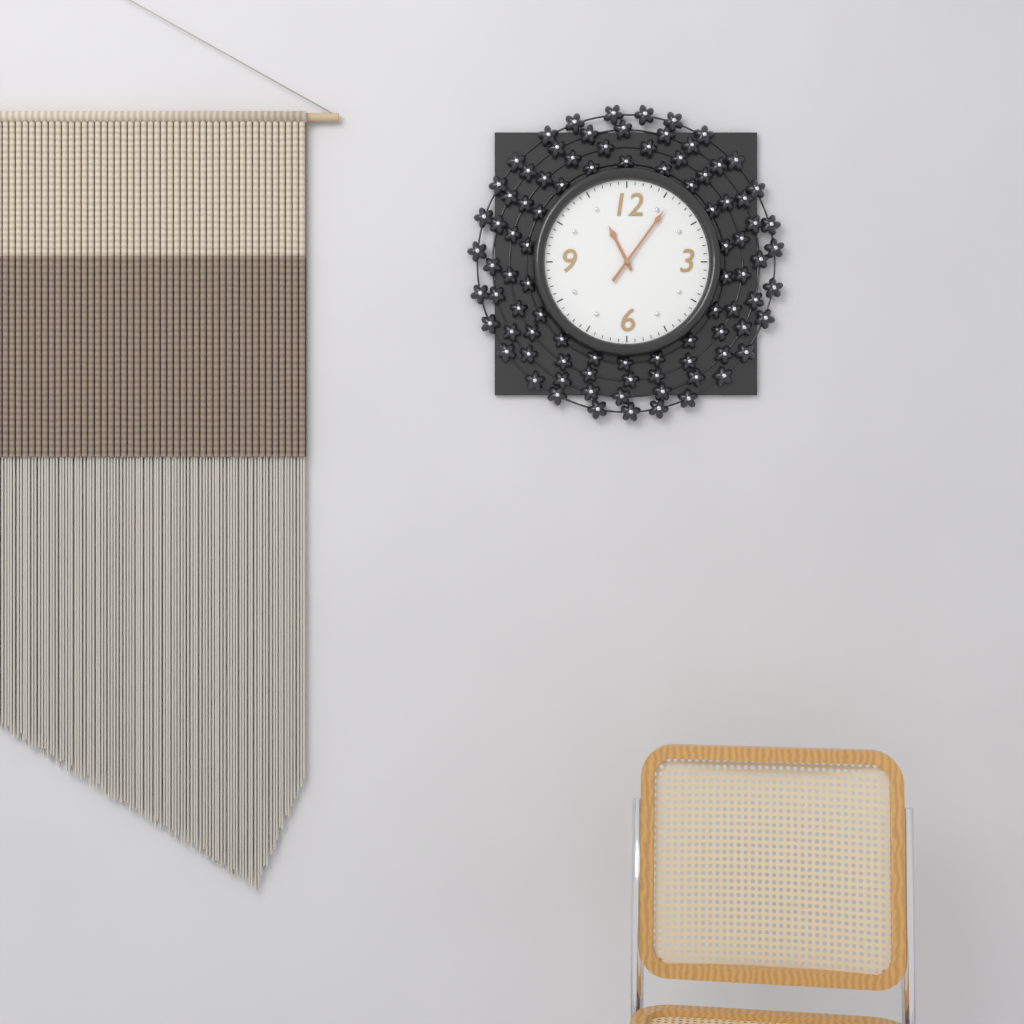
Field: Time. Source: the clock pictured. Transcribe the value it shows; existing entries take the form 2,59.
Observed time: 11,06
